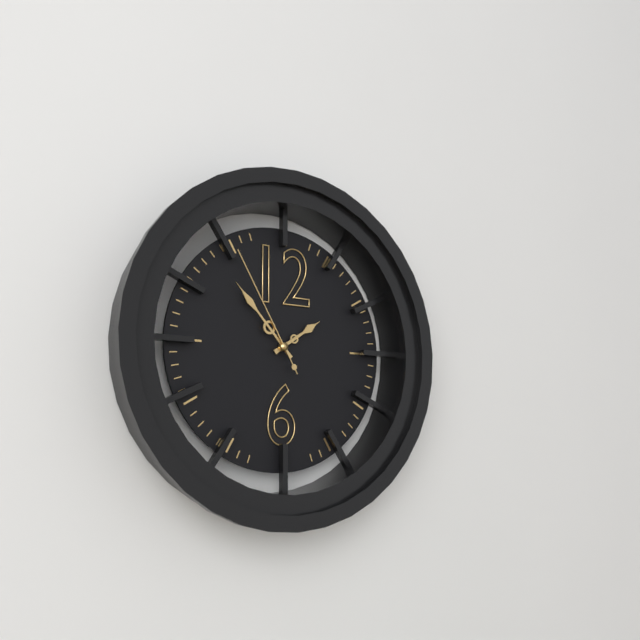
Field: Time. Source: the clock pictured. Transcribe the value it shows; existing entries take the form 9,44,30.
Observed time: 1,53,55
